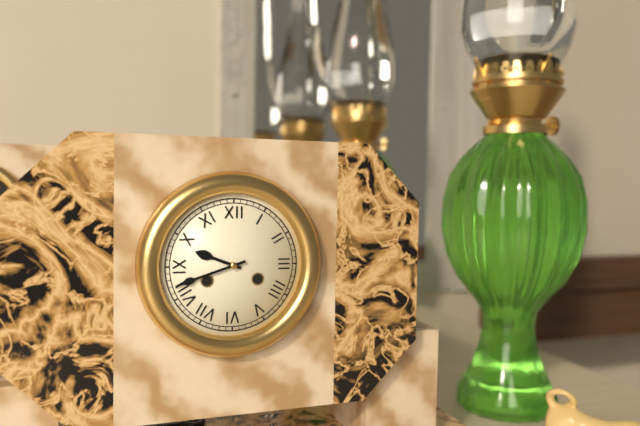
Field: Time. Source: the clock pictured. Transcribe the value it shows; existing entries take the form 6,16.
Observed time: 9,42
